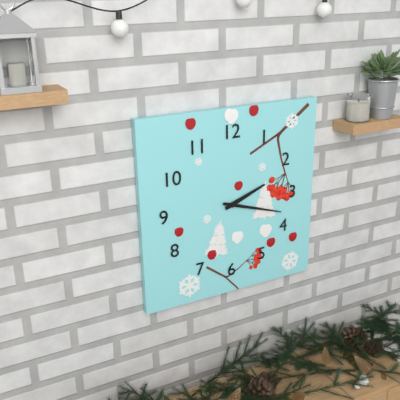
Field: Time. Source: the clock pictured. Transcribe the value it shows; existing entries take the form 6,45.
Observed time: 2,18
